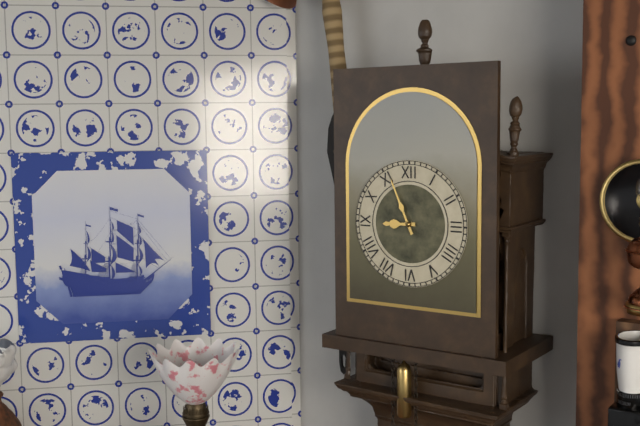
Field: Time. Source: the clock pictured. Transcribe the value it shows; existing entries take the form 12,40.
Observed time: 8,56
